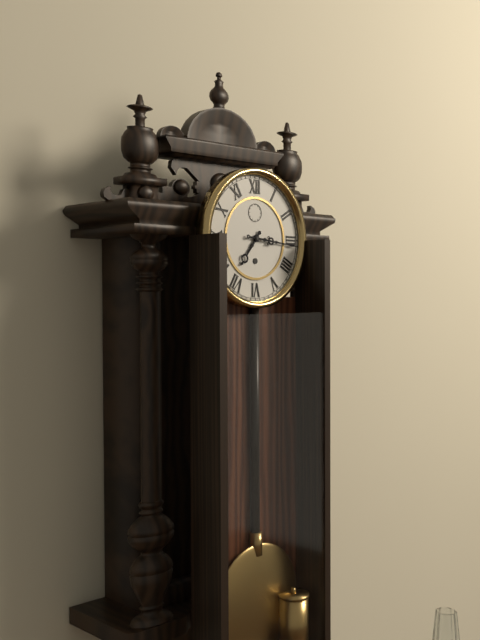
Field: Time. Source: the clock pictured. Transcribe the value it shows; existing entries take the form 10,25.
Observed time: 7,16
